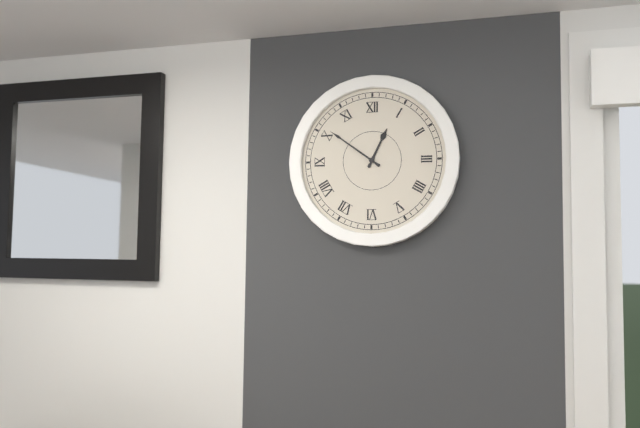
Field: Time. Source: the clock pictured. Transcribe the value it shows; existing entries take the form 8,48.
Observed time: 12,51
